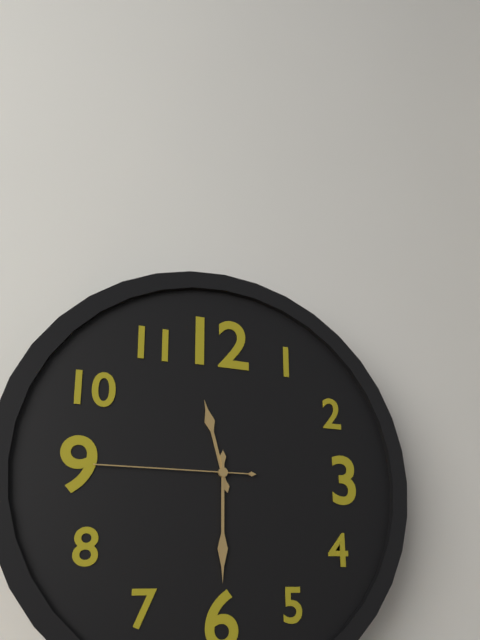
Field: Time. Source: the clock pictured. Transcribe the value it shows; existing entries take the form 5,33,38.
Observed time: 11,30,45
